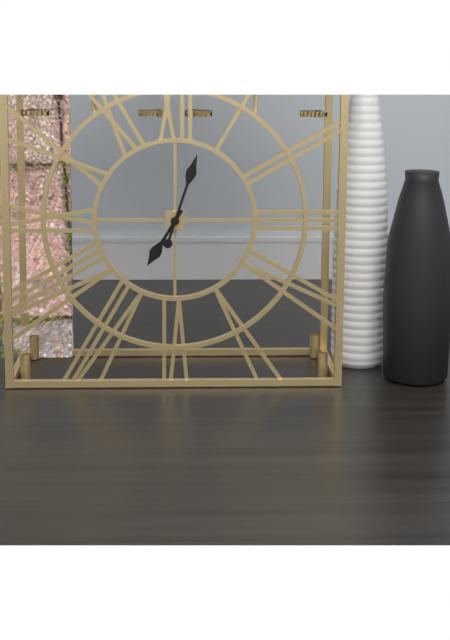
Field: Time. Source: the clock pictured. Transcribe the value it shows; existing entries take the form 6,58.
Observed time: 7,03
